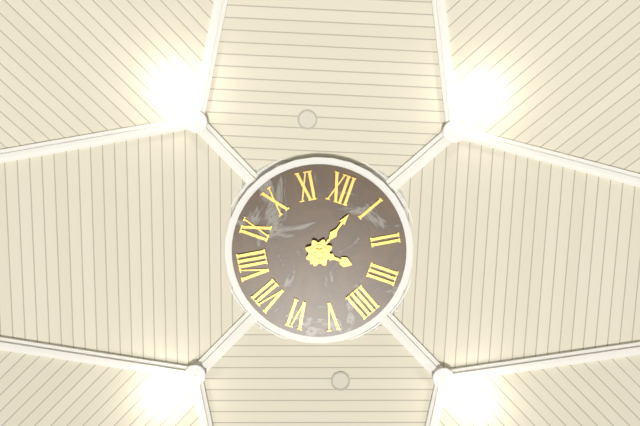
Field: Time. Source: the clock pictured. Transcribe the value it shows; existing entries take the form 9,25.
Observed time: 3,03
